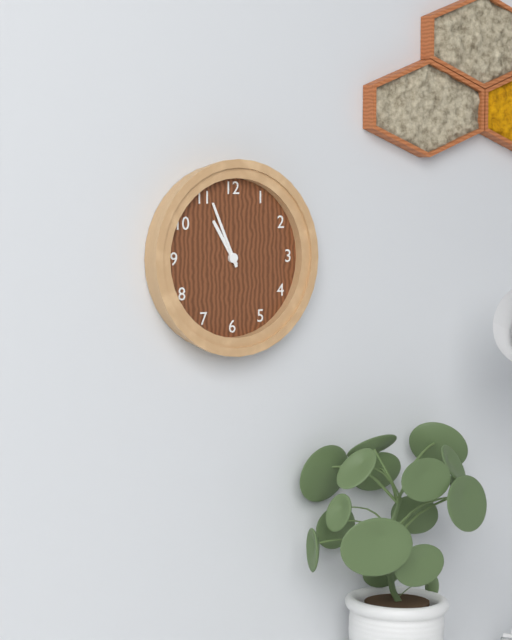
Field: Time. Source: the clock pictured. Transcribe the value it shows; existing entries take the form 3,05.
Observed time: 10,56
